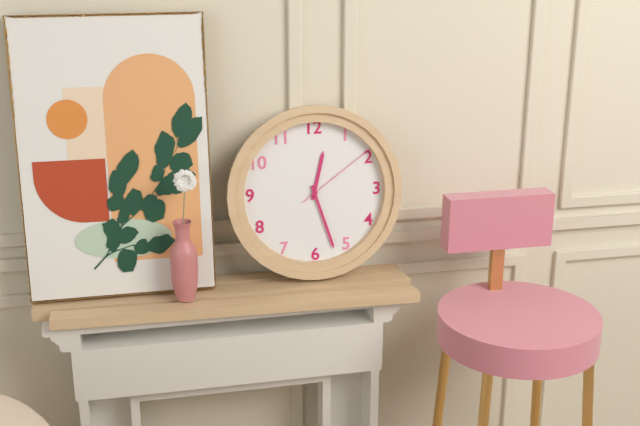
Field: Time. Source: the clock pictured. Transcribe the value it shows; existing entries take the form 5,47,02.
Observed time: 12,27,09
